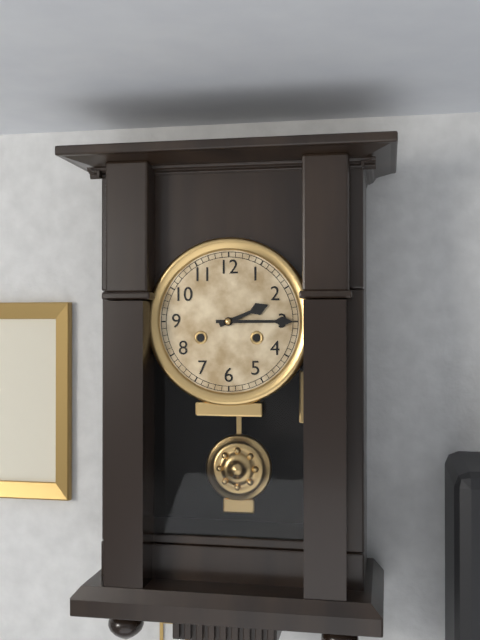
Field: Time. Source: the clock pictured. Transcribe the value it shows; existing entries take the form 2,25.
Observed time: 2,15
